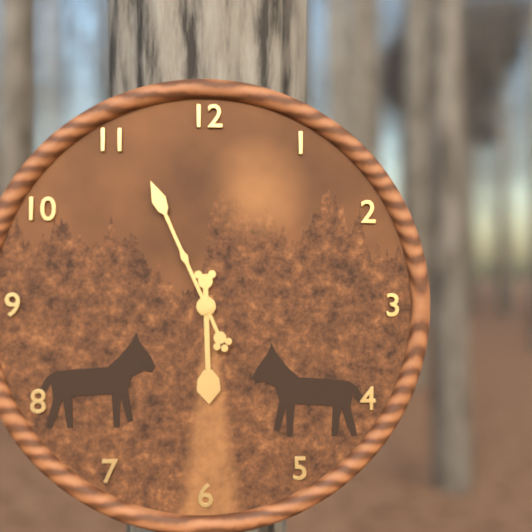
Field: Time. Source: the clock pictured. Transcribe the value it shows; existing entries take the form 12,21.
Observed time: 5,56
